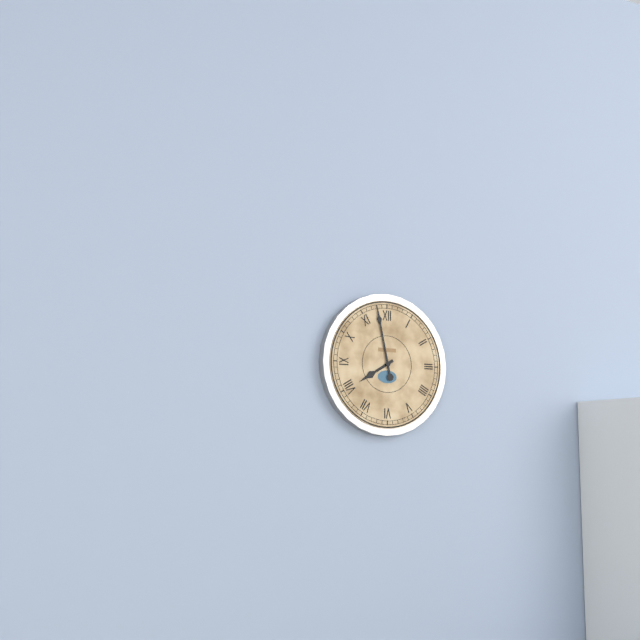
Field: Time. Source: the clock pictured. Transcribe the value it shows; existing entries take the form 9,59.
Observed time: 7,58
